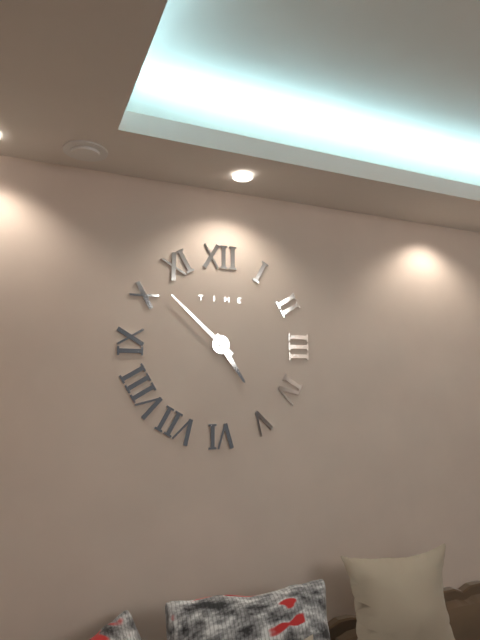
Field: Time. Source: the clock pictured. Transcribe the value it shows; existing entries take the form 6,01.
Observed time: 4,52
